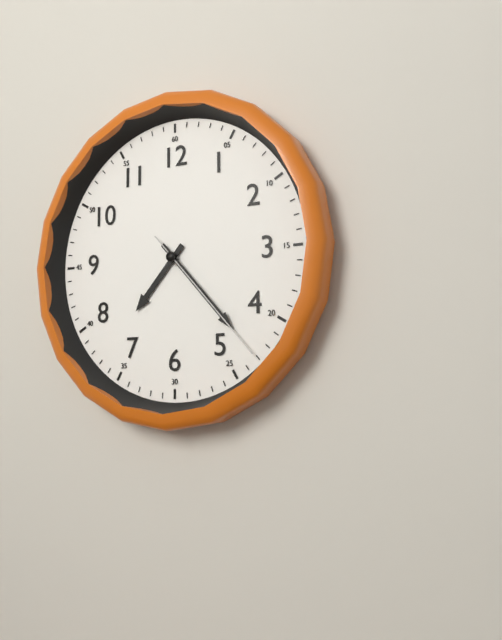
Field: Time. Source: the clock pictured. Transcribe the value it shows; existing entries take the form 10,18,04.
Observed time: 7,23,23
